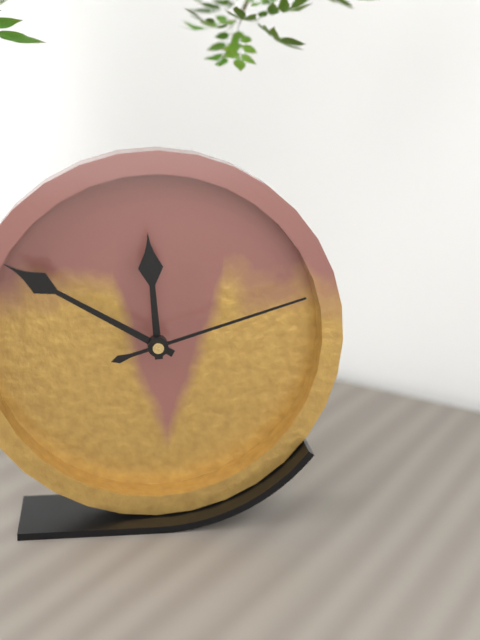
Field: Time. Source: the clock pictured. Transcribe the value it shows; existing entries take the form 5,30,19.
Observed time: 11,50,12
